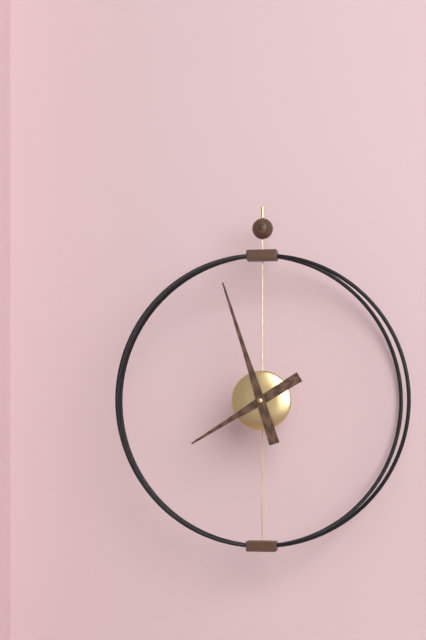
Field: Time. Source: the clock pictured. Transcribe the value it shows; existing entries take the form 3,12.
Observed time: 7,57
